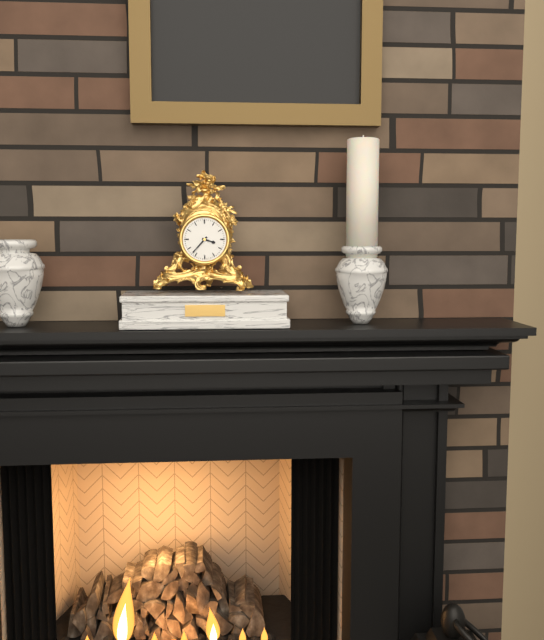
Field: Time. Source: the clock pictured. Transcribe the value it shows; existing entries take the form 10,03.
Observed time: 3,37
